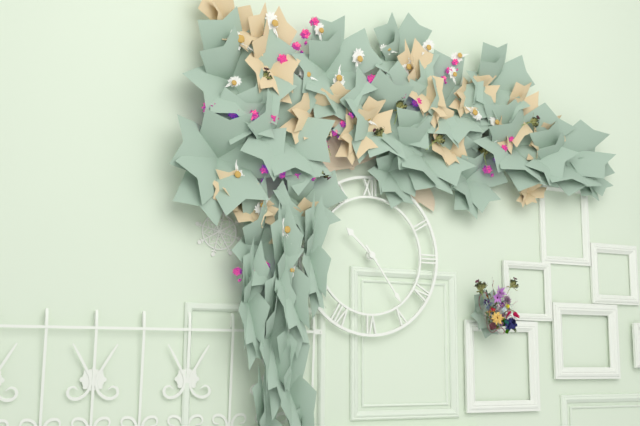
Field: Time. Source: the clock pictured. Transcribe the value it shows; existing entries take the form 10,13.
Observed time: 10,24
